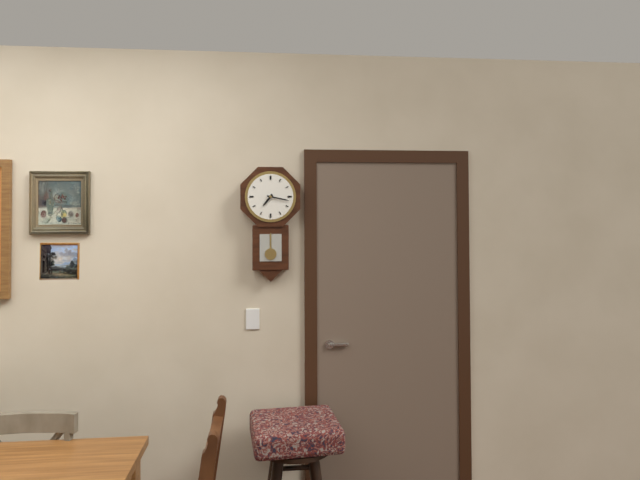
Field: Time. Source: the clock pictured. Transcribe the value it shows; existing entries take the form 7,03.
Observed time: 7,17
